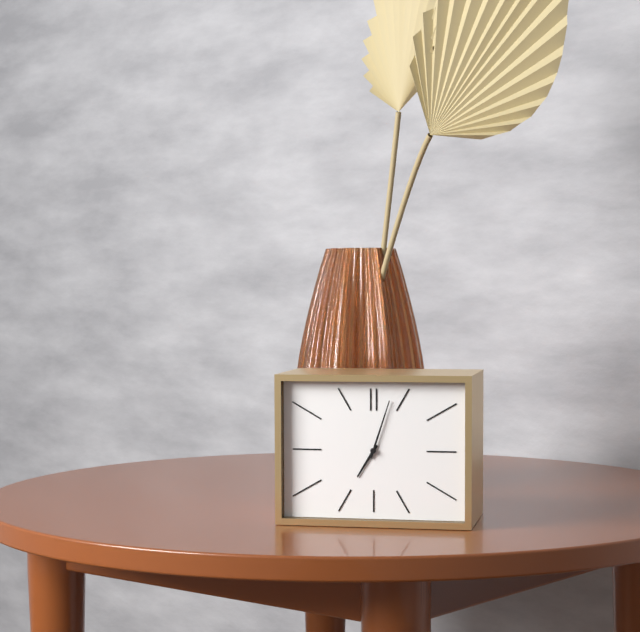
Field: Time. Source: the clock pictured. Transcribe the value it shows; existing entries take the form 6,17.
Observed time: 7,03
